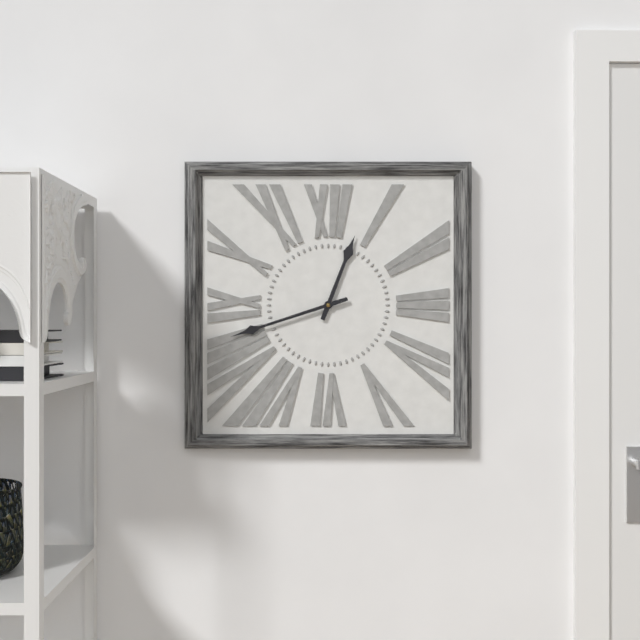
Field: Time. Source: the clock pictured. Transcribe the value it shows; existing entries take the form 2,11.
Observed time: 12,42
